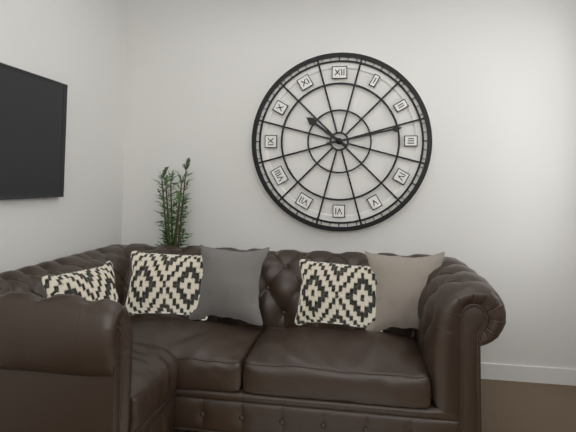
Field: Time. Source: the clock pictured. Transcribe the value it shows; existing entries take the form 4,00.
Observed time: 10,13
